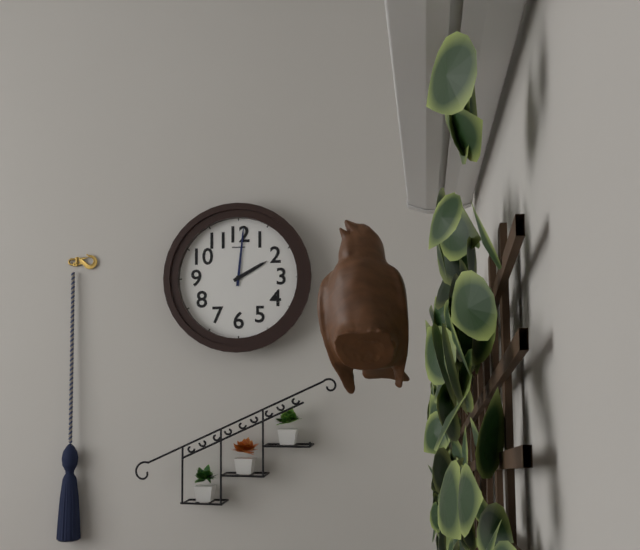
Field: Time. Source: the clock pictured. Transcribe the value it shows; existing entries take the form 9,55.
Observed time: 2,01
